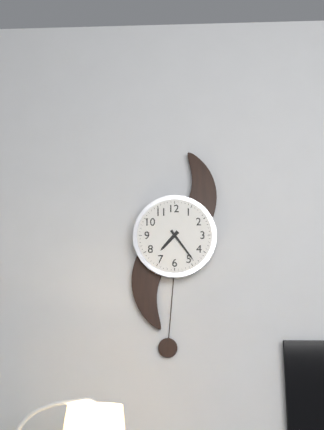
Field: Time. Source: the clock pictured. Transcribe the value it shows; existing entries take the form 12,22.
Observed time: 7,24
